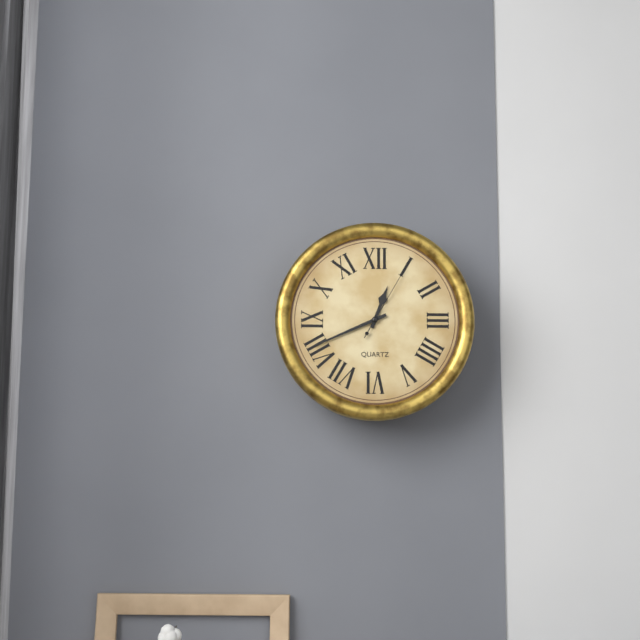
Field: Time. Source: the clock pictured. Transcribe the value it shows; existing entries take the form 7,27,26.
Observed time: 12,41,05
